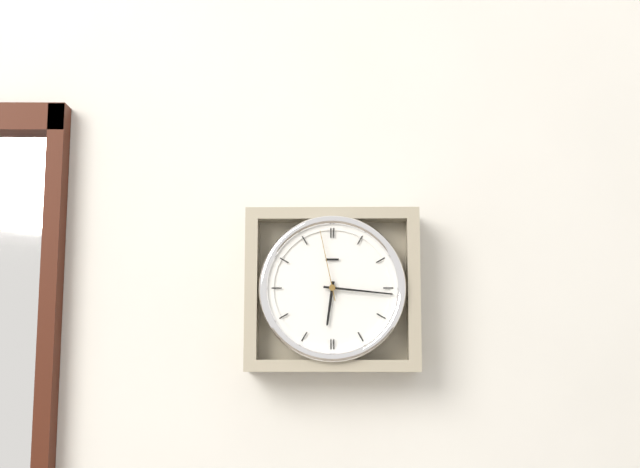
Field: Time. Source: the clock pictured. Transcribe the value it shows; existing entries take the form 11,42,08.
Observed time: 6,16,58
